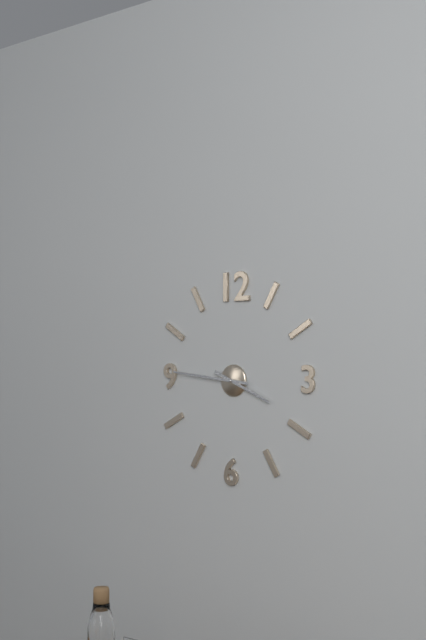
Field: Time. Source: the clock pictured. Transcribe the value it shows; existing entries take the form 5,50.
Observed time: 3,46
